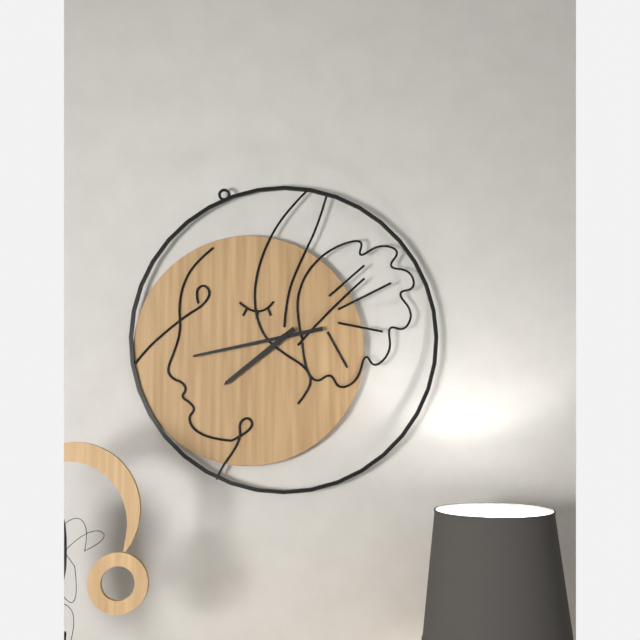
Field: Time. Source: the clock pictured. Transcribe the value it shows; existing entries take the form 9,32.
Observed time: 7,43
